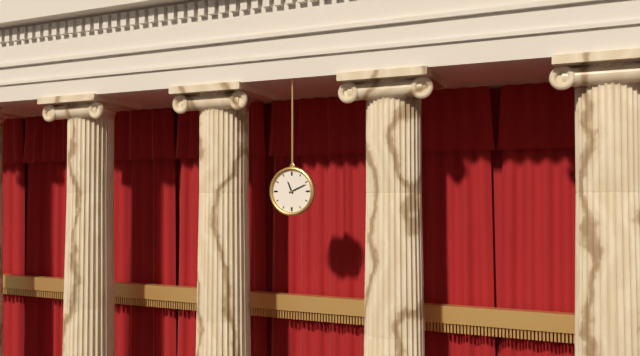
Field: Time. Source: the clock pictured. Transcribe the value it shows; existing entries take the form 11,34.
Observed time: 11,11
